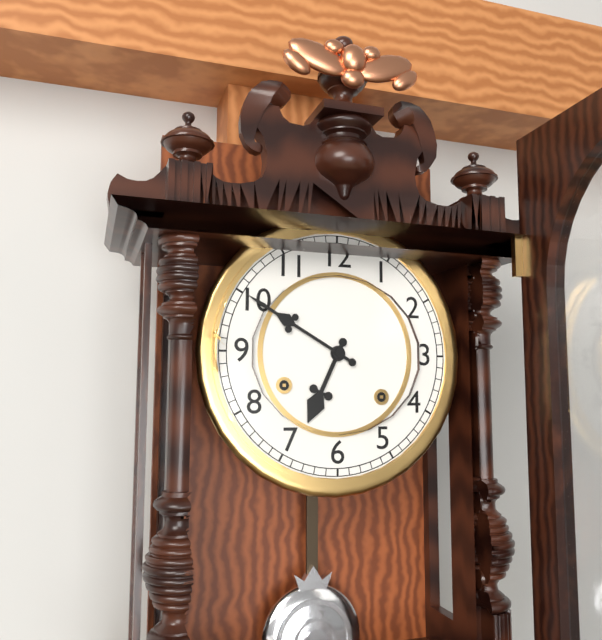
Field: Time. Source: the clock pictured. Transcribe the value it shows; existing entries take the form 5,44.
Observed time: 6,50
